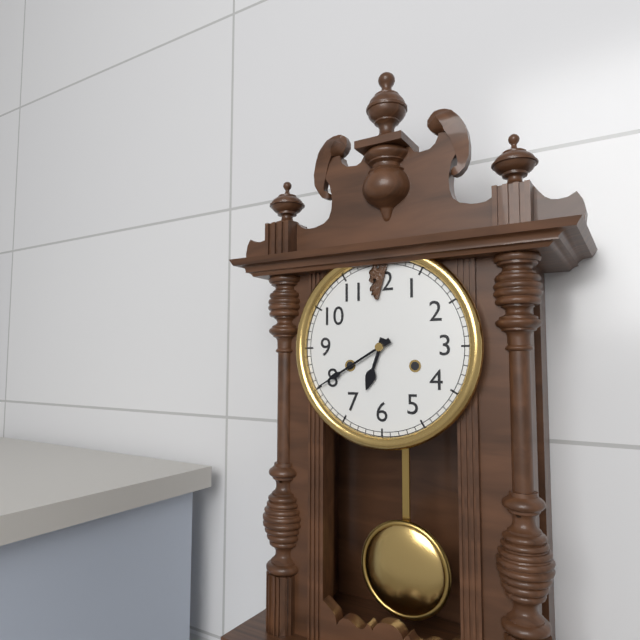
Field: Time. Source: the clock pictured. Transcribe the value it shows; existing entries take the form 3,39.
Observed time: 6,40
